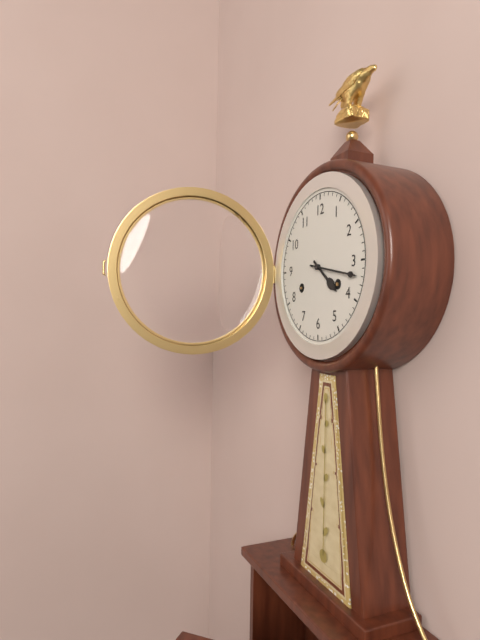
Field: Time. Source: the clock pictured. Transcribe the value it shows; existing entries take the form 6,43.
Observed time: 4,17
